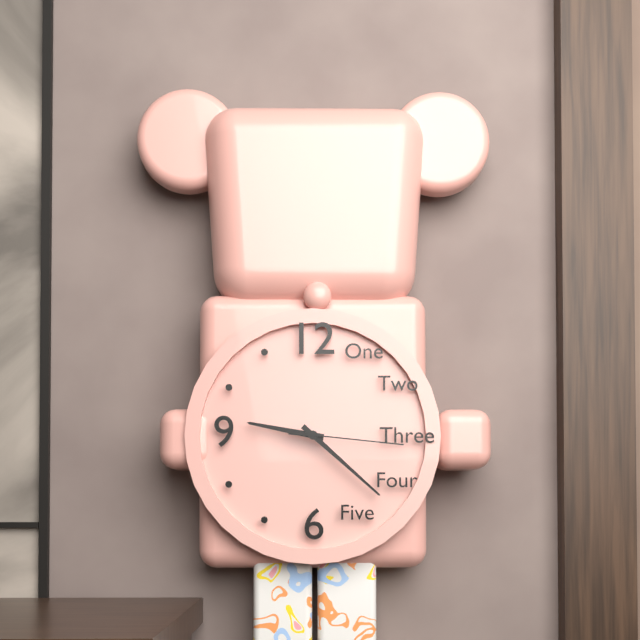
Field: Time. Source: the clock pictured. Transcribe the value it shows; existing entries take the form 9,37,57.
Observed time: 9,22,16
